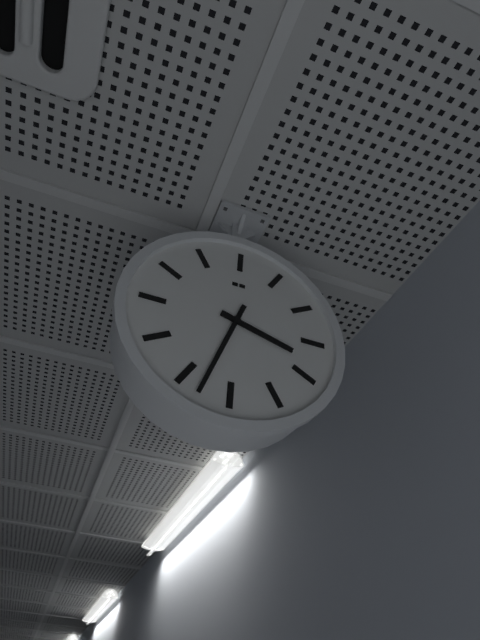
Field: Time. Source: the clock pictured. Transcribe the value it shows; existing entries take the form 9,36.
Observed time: 3,33
